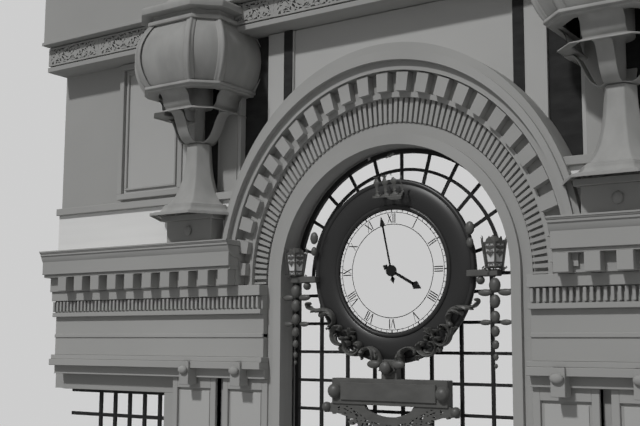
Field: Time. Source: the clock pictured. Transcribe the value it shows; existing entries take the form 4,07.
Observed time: 3,58
